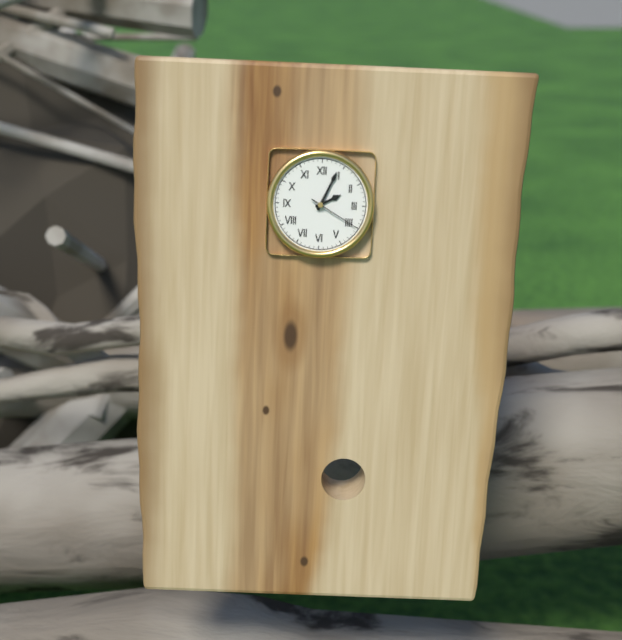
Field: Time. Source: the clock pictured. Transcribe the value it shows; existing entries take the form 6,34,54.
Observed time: 2,04,20
